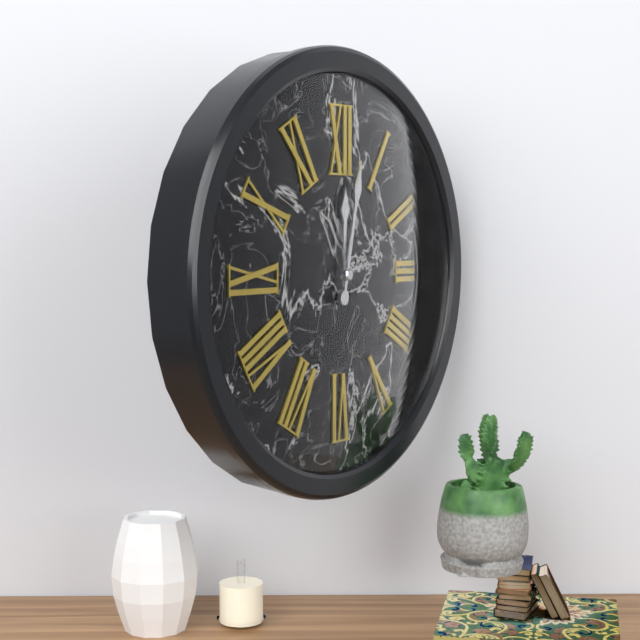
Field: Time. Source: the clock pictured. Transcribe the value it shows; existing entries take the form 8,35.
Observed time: 12,02
